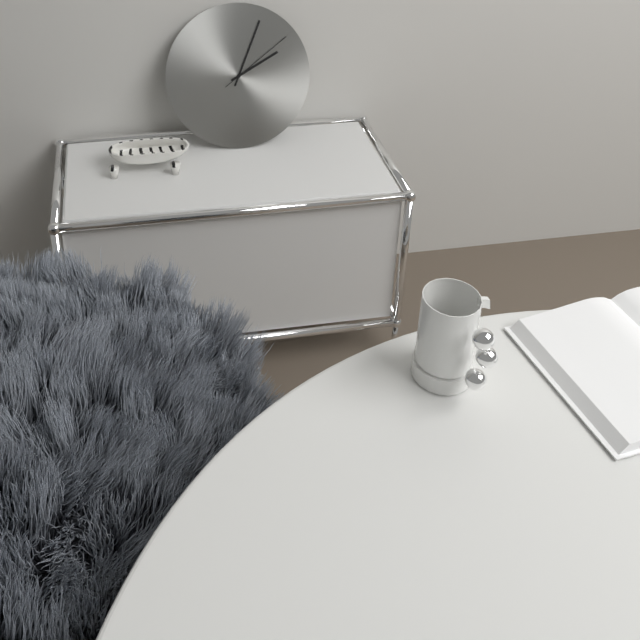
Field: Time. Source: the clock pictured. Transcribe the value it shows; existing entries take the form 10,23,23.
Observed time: 2,04,09
